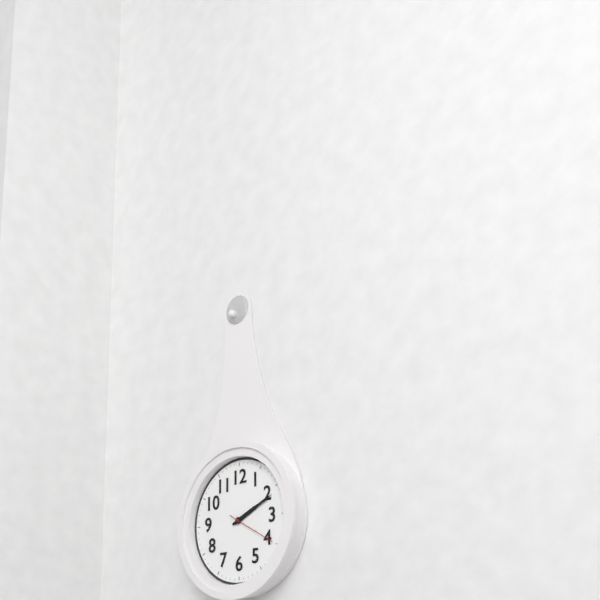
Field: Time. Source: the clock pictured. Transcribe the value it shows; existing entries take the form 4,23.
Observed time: 2,11
